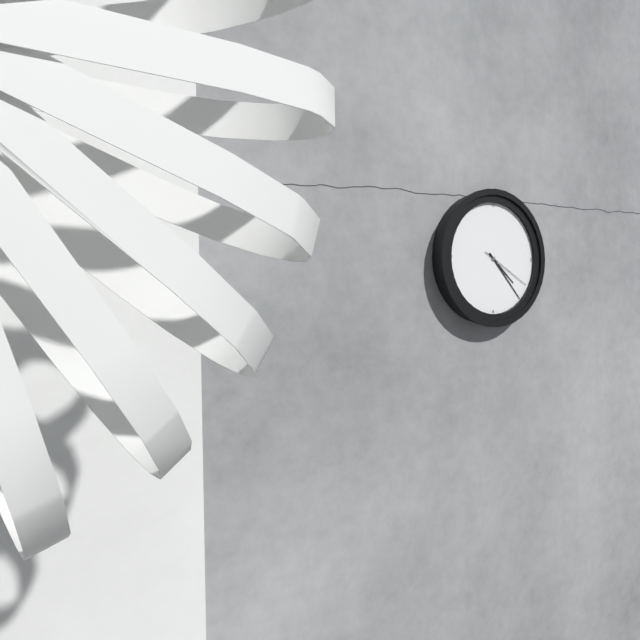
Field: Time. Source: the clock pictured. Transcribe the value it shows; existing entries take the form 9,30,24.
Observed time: 4,23,20
